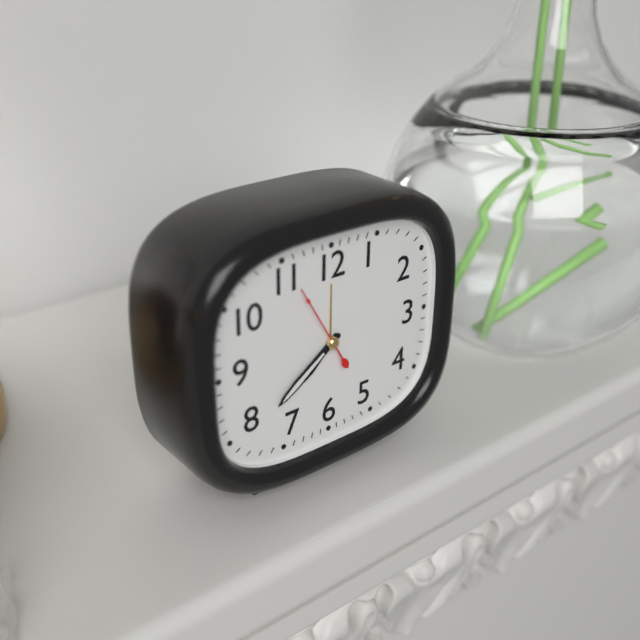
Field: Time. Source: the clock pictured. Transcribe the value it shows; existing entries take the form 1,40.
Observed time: 7,39
